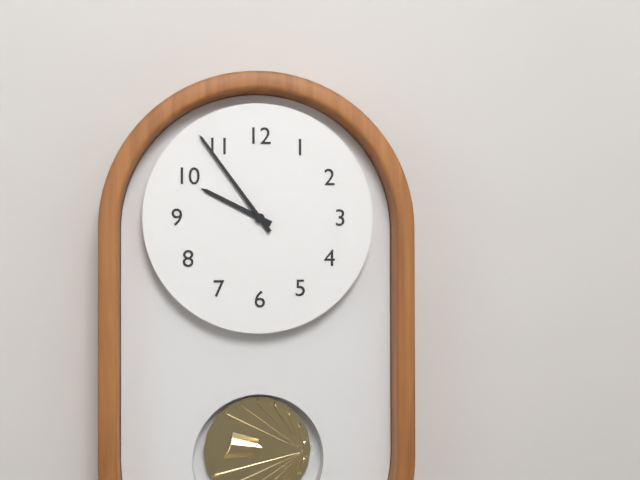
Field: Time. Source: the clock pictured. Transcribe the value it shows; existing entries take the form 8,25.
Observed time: 9,54
